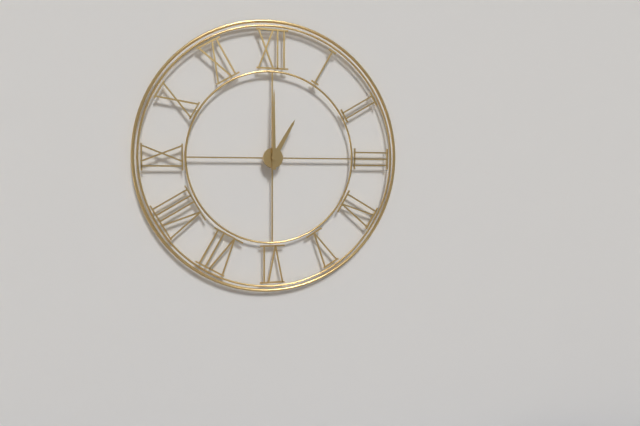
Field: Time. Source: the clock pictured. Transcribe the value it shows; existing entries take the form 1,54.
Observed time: 1,00
